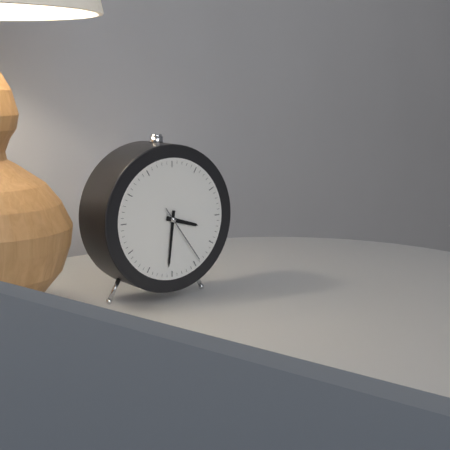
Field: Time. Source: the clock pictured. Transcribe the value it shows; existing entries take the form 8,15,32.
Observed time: 3,31,24
